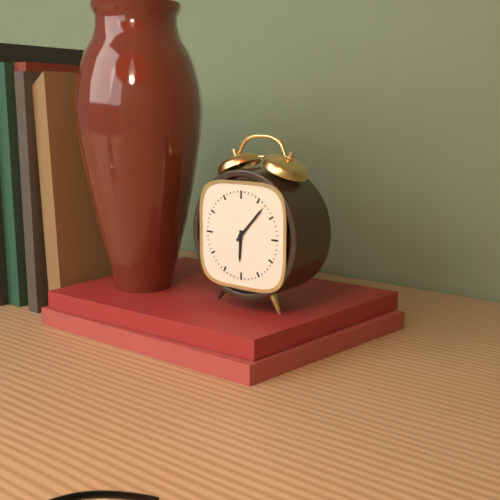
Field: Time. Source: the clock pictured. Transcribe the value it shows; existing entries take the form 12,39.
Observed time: 6,07
